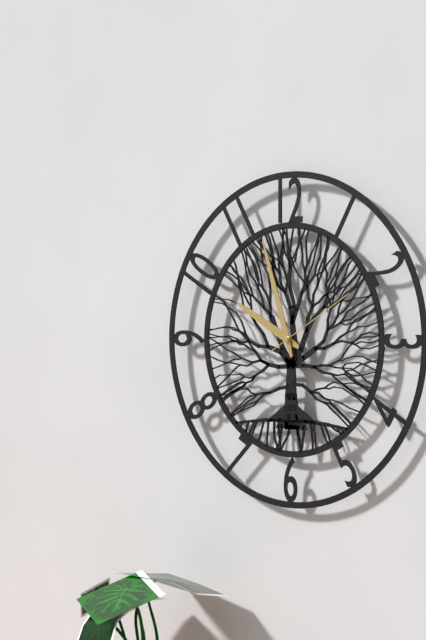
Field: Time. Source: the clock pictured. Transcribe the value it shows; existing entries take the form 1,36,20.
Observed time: 9,57,10
